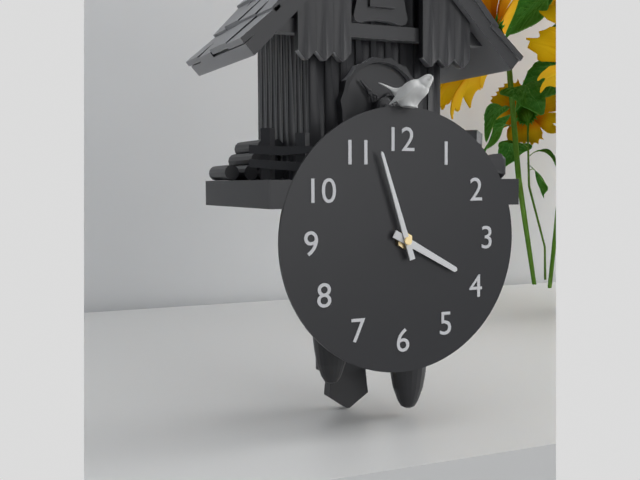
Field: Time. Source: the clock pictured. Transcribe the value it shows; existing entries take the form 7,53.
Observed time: 3,57
